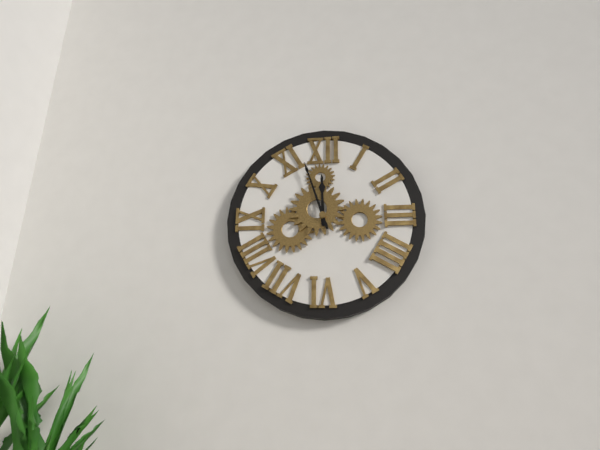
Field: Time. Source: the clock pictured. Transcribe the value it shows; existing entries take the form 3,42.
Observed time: 11,57
